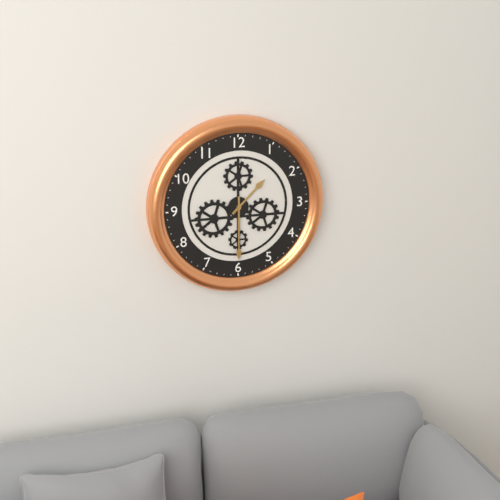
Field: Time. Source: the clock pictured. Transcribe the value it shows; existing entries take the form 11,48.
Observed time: 1,30
